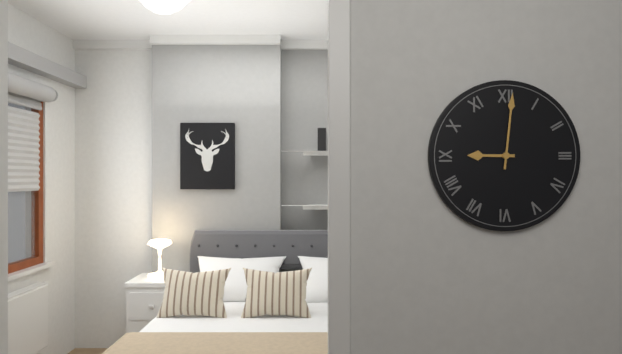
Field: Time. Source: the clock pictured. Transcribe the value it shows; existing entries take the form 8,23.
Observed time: 9,01
